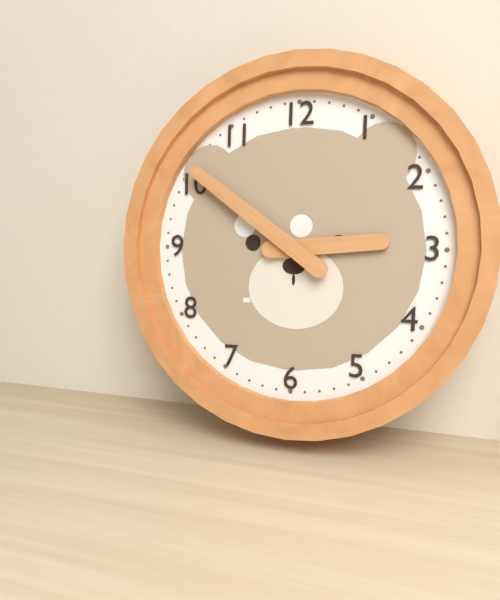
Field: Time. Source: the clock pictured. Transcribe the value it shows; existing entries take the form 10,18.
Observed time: 2,51
